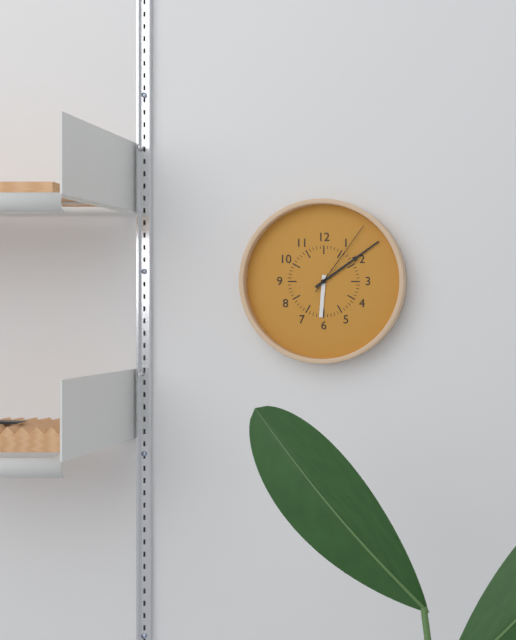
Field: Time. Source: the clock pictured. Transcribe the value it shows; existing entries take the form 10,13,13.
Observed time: 6,09,06
